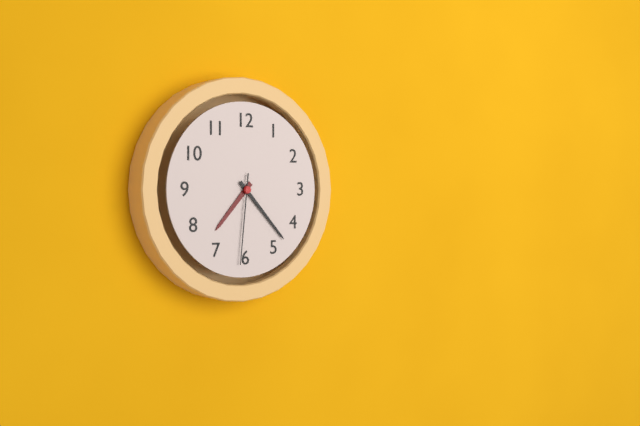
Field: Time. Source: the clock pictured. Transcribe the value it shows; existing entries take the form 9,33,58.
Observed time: 7,23,31
